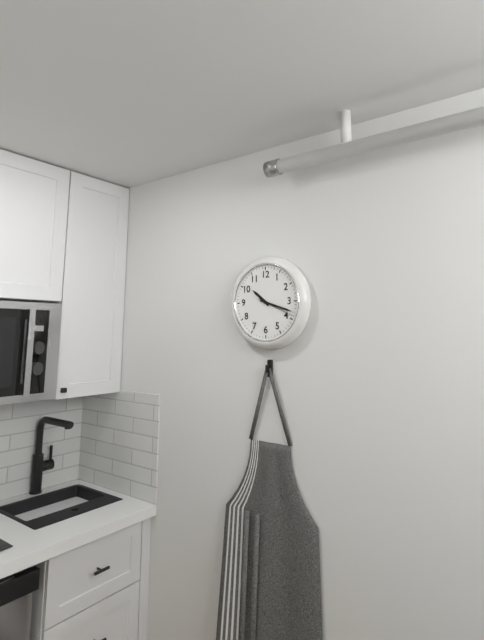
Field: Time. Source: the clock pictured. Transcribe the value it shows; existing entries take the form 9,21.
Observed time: 10,18
